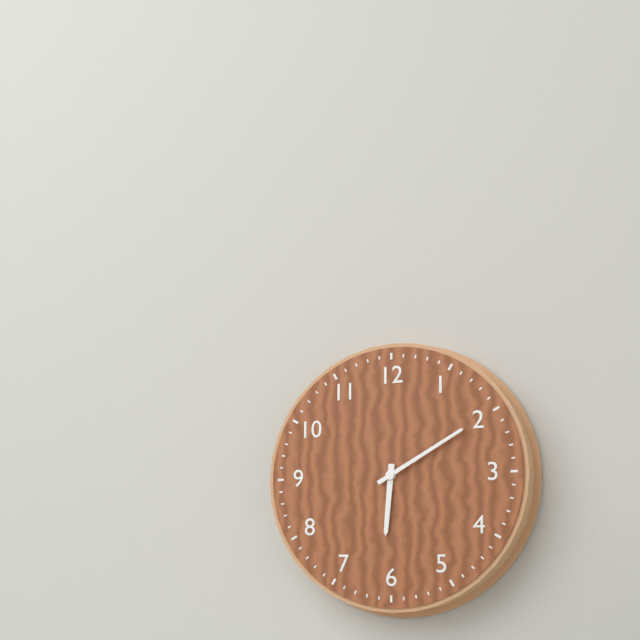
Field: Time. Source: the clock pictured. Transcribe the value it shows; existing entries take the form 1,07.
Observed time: 6,10
